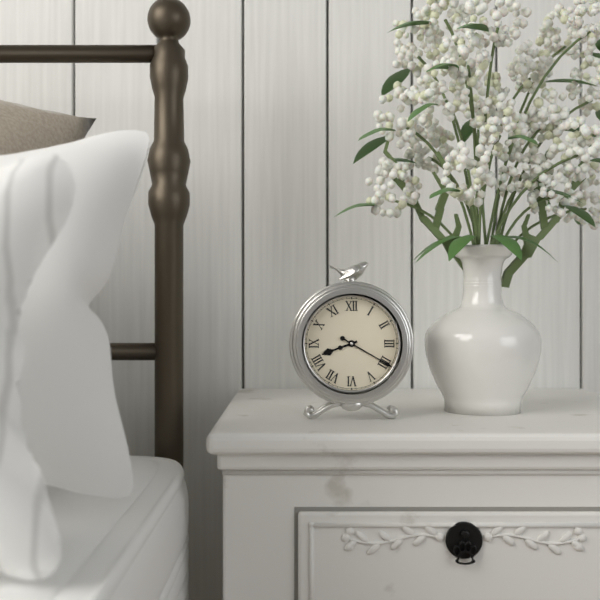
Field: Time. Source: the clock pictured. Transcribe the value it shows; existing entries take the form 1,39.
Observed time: 8,20
